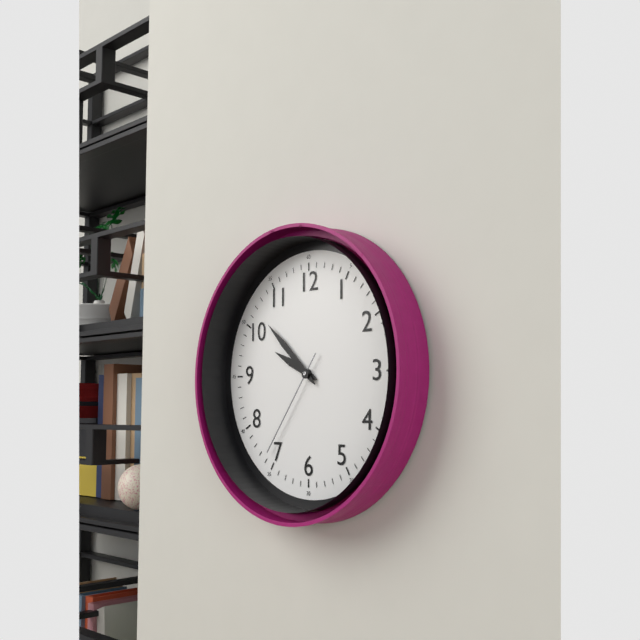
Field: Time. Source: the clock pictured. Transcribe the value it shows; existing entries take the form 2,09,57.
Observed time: 9,52,36
